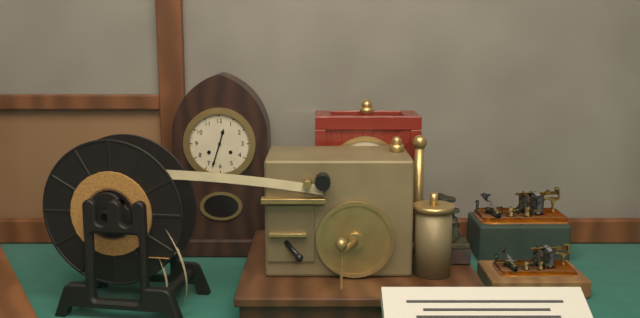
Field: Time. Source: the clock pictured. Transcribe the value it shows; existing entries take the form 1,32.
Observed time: 12,33
